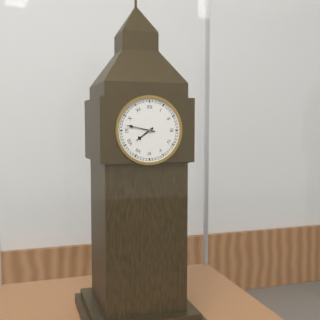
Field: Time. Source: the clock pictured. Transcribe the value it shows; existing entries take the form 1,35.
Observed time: 7,47
